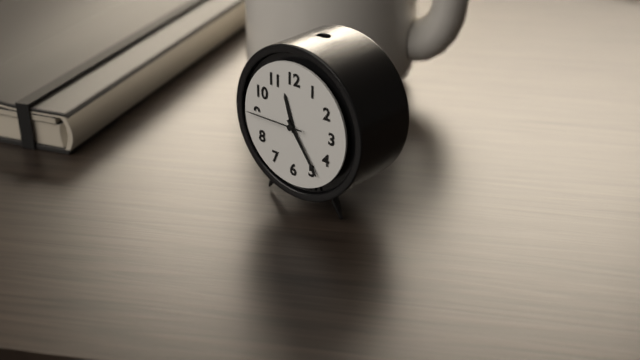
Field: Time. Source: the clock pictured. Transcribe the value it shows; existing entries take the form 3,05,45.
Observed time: 11,24,45
